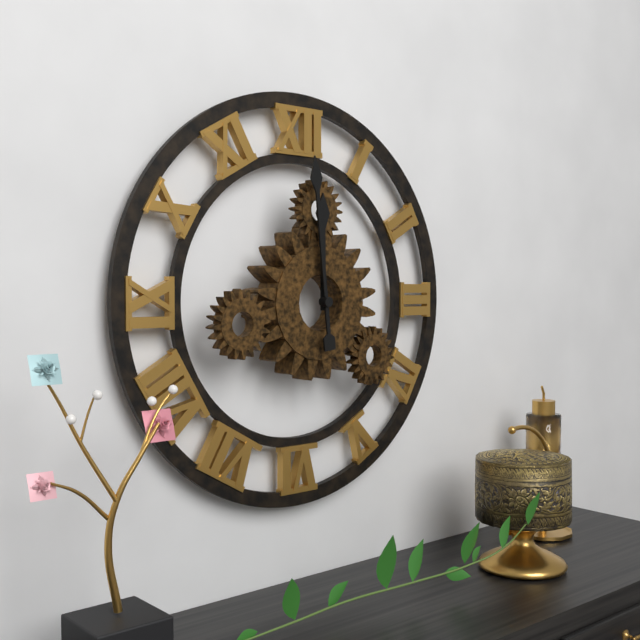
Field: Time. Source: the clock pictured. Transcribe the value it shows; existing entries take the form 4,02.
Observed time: 11,59
